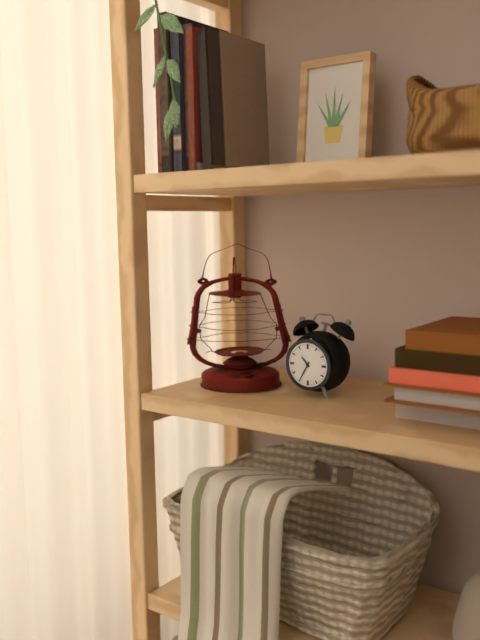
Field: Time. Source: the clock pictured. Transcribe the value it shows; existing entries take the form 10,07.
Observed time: 10,35
